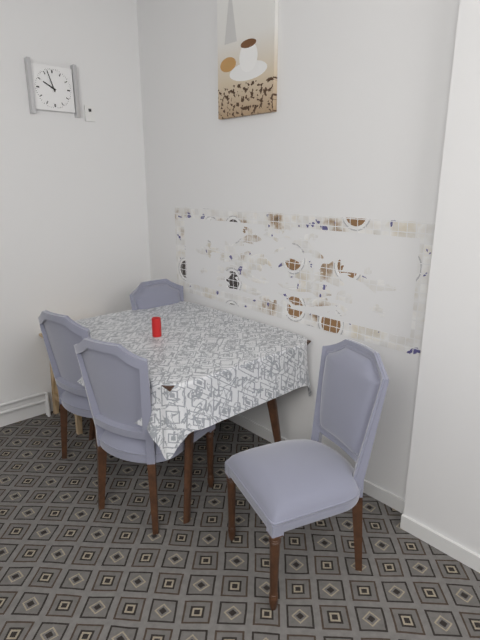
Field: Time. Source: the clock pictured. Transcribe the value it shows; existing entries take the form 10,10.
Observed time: 9,57
